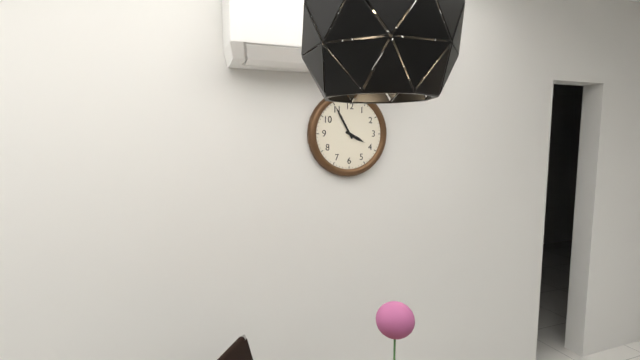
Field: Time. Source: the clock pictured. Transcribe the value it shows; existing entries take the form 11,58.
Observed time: 3,55
